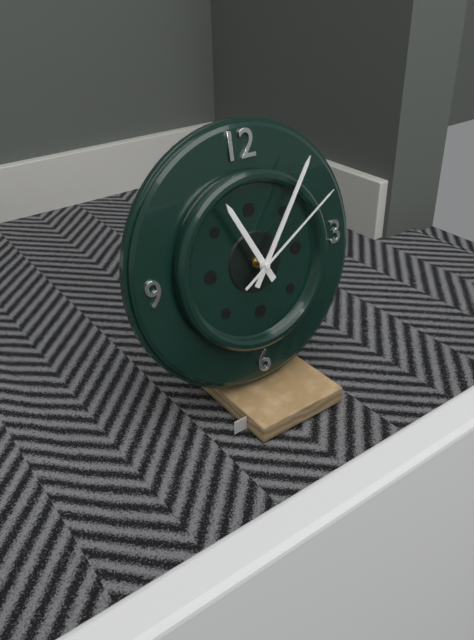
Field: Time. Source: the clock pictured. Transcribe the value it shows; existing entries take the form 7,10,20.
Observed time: 11,06,10
